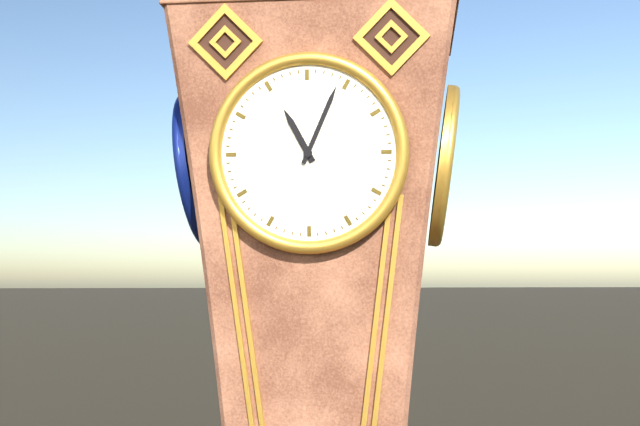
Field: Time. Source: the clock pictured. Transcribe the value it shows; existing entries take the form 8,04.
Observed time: 11,04
